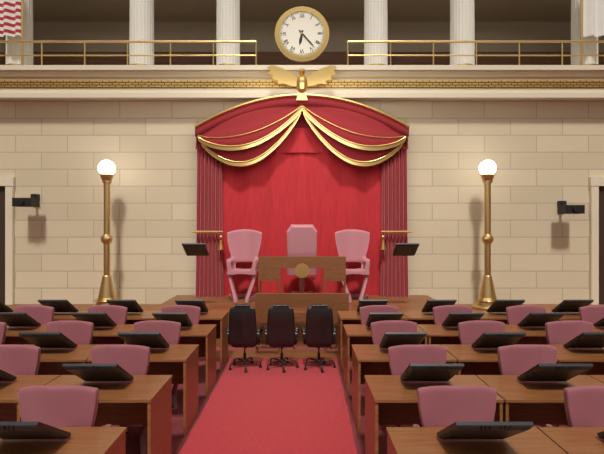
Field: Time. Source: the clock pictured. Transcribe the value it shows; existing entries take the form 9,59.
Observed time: 6,23
